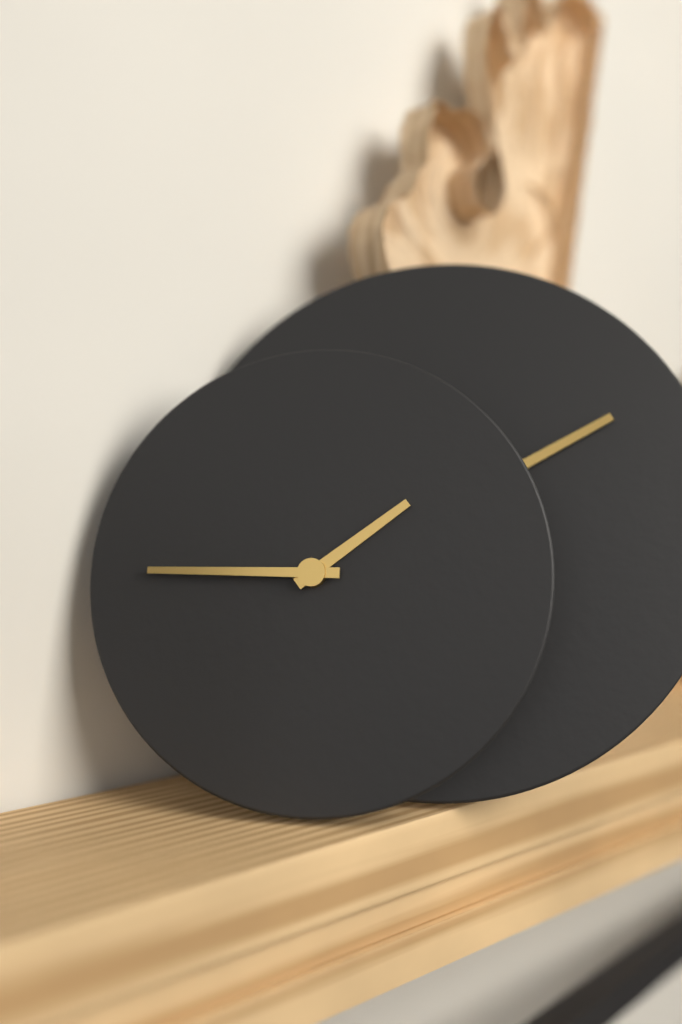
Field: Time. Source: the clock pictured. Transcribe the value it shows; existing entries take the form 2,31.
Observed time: 1,45
